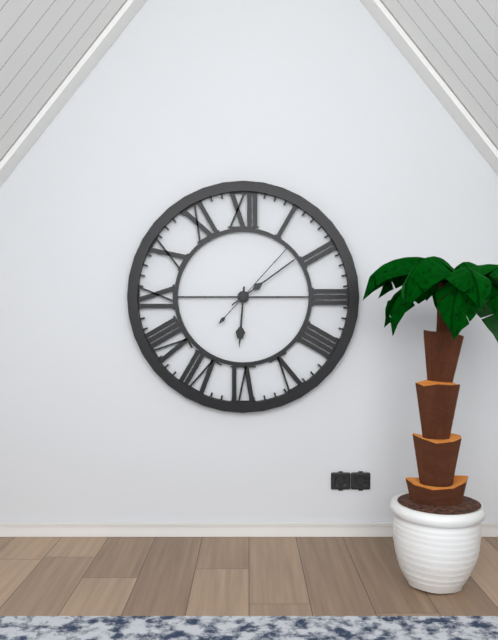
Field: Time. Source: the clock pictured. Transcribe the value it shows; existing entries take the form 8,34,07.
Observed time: 6,09,07
